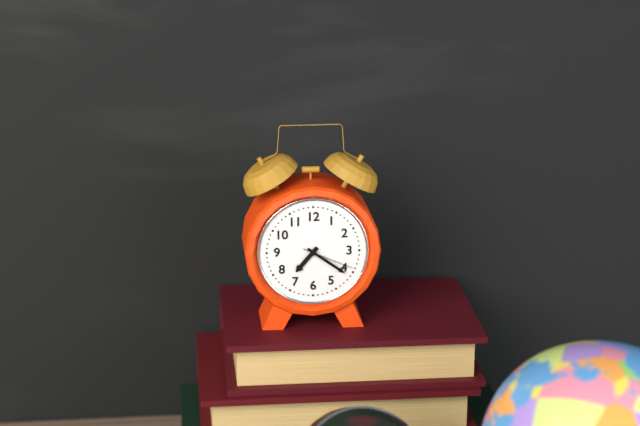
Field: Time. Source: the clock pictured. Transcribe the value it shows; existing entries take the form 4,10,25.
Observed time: 7,21,19
